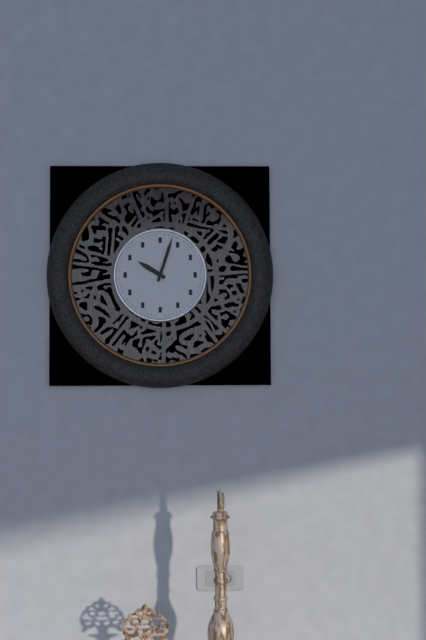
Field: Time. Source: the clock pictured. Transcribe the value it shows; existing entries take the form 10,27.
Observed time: 10,03
